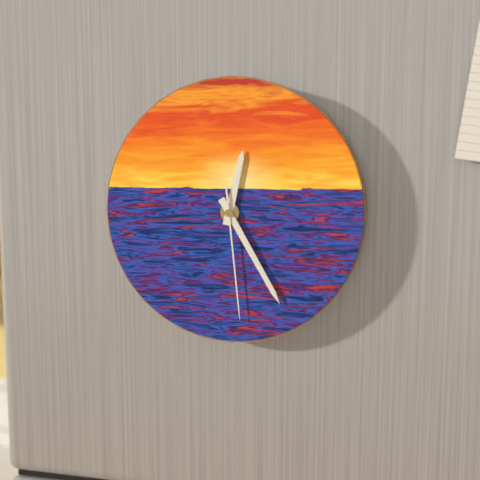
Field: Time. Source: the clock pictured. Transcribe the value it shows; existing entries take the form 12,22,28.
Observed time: 12,25,29
